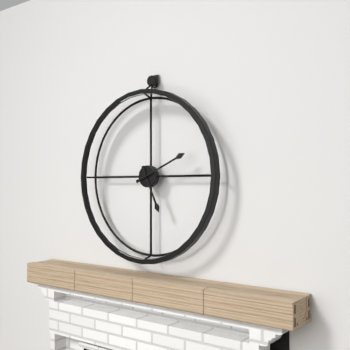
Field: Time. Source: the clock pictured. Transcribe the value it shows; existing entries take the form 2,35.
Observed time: 5,11
